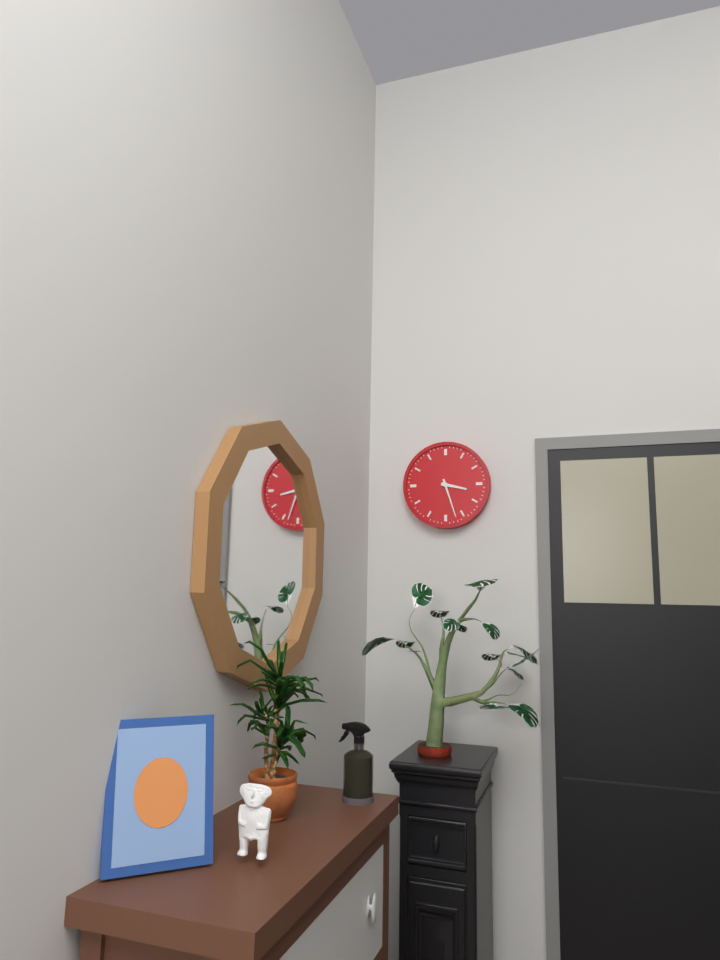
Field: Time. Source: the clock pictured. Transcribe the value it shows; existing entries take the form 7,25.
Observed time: 3,27
